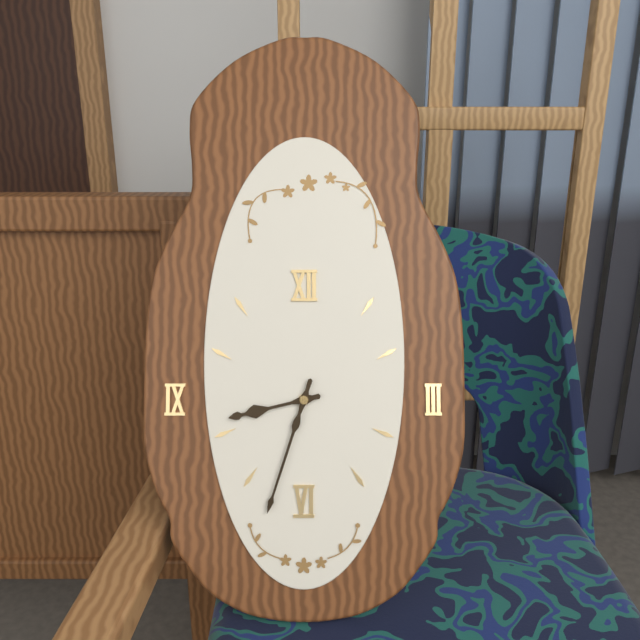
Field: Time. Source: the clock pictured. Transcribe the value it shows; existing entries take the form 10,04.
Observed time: 8,33
